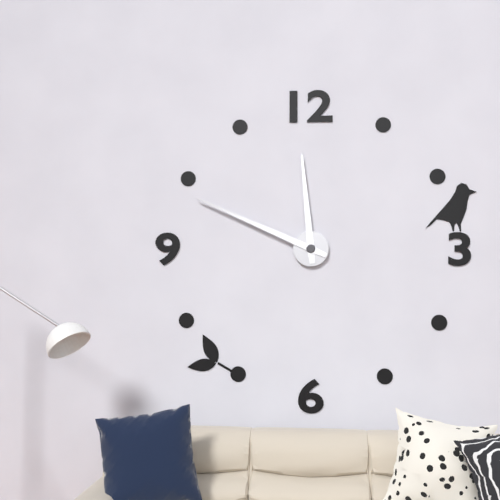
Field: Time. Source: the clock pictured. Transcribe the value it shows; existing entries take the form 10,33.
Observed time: 11,49
